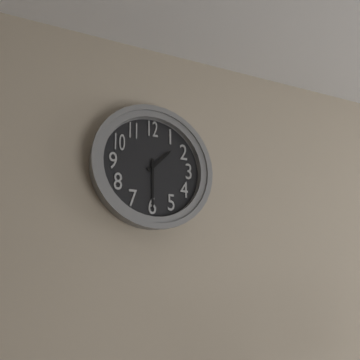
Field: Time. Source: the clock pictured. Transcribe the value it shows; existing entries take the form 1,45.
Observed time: 1,30
